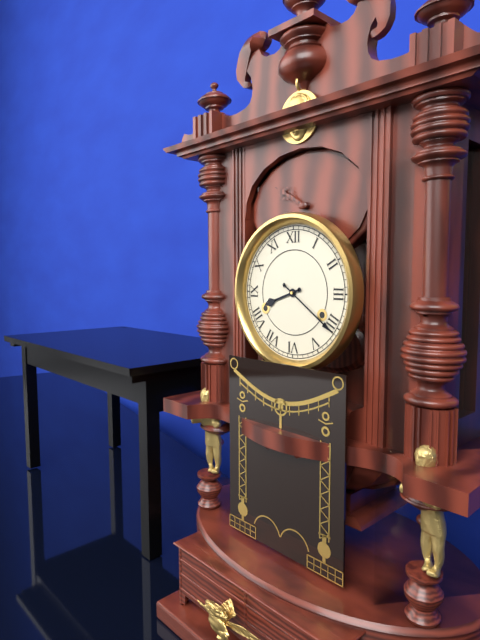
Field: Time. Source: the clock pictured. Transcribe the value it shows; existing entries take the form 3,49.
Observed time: 8,21
